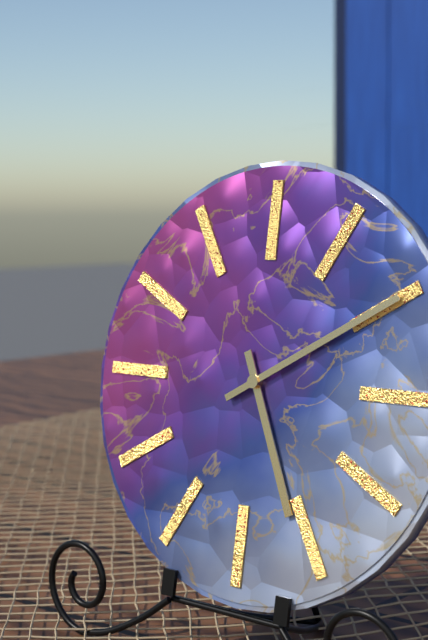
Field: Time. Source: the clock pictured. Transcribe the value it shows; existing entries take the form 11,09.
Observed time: 5,10
